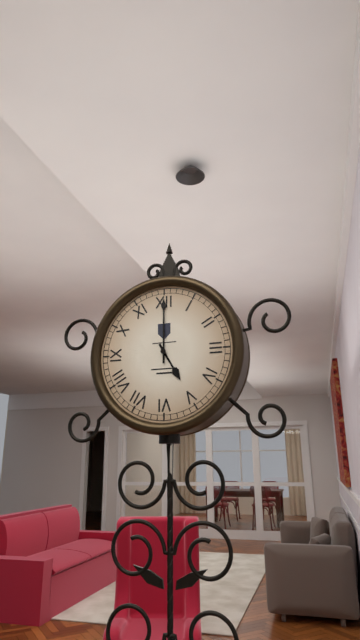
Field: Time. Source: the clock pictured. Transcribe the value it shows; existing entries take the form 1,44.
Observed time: 5,00
